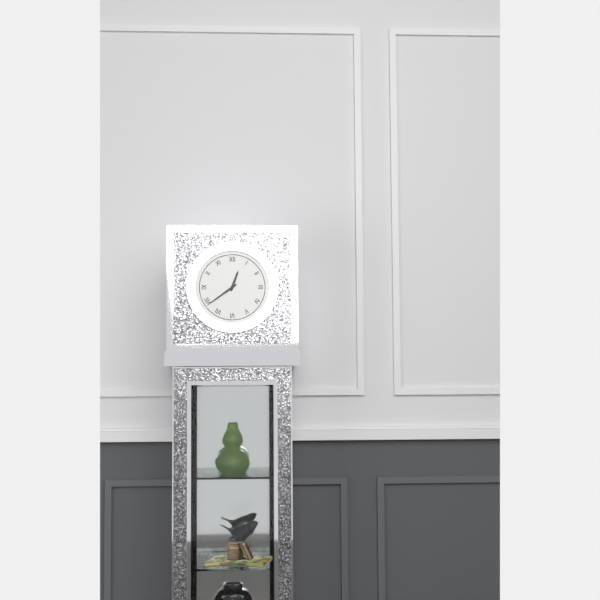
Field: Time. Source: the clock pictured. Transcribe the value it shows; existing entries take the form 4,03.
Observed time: 12,39
